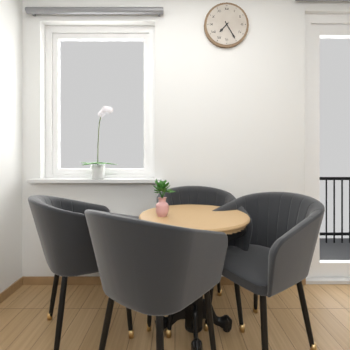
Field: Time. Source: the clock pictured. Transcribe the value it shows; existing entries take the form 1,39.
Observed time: 7,25
